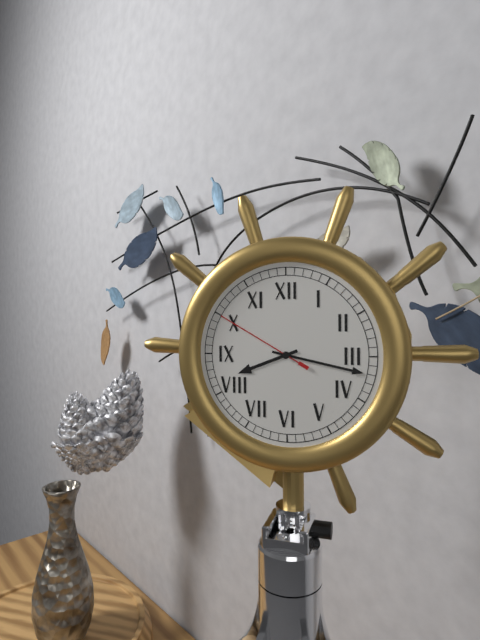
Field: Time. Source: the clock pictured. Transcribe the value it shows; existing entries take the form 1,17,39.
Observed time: 8,17,50
